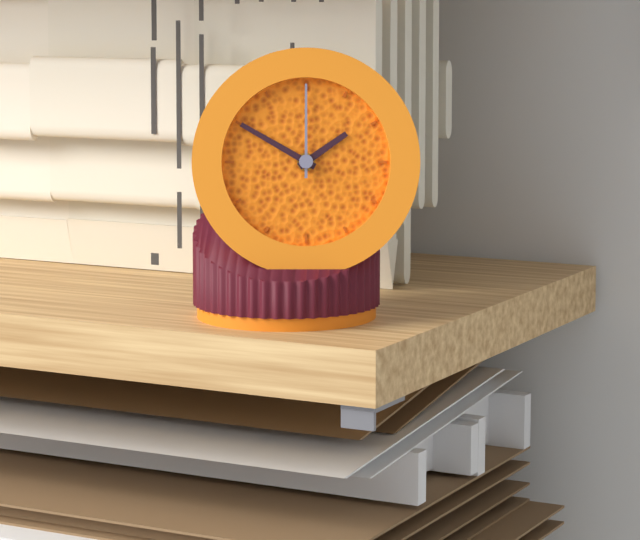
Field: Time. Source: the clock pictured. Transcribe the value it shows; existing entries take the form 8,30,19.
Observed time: 1,50,00
